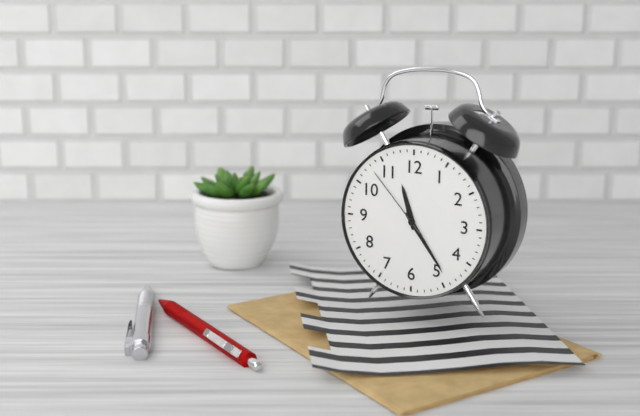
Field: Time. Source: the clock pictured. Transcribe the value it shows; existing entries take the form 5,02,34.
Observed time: 11,24,53
